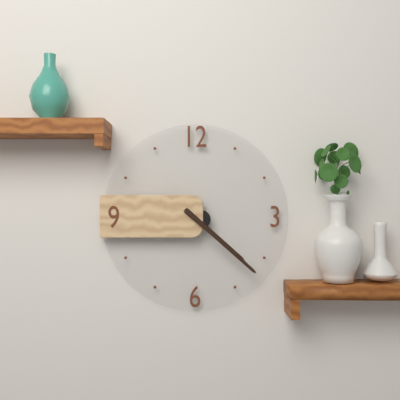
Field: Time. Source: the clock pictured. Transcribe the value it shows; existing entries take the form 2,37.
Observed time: 4,22
